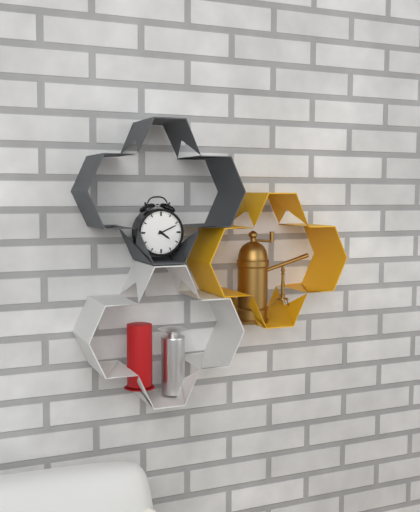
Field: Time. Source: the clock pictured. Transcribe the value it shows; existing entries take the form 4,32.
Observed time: 4,11
